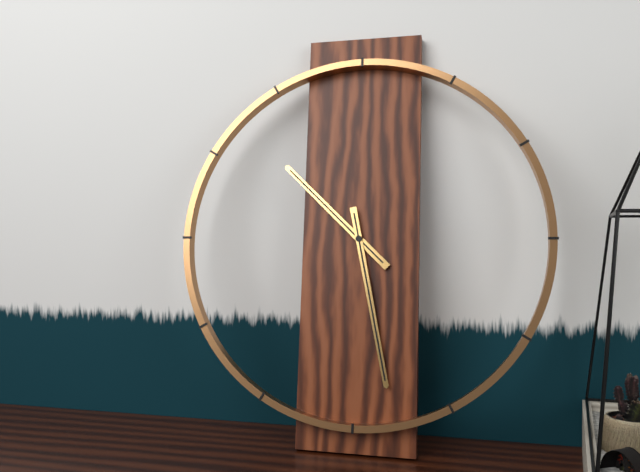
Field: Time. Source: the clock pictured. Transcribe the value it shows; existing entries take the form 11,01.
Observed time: 10,28
